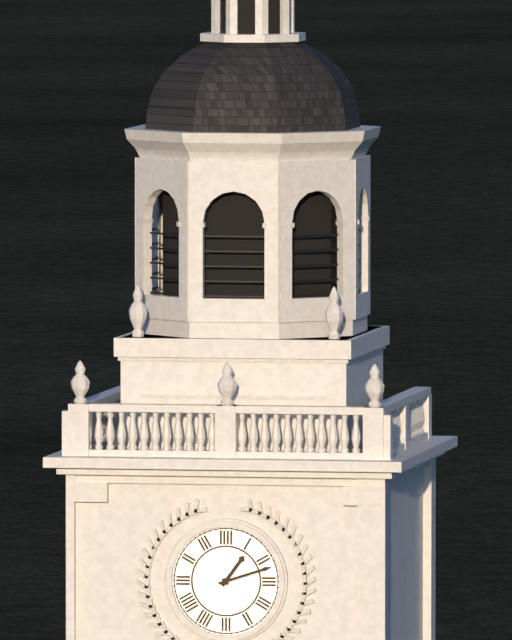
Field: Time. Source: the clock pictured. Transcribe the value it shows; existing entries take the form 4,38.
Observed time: 1,12
